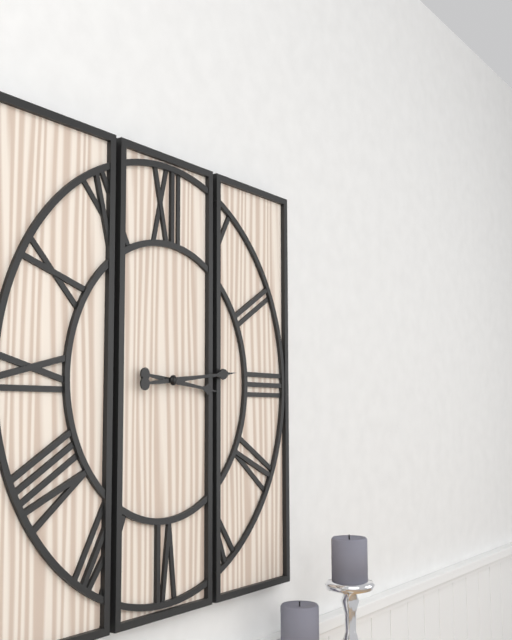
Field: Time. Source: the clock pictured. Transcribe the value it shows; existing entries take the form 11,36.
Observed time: 3,14
